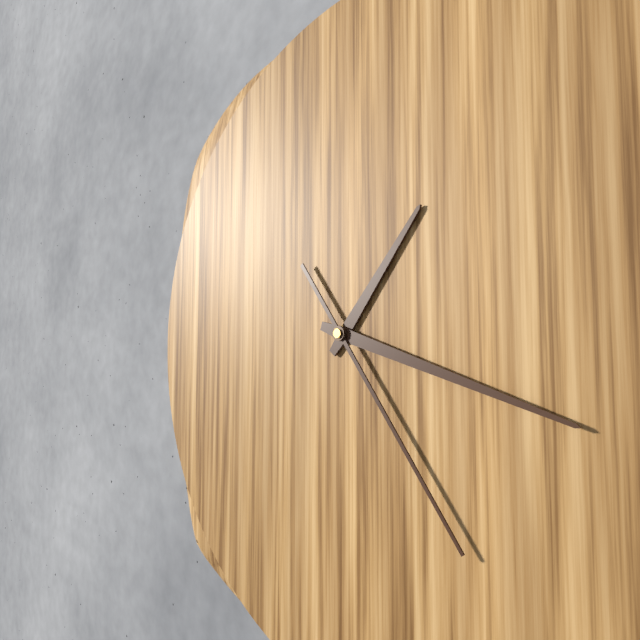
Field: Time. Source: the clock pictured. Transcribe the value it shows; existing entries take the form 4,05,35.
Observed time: 1,18,24
